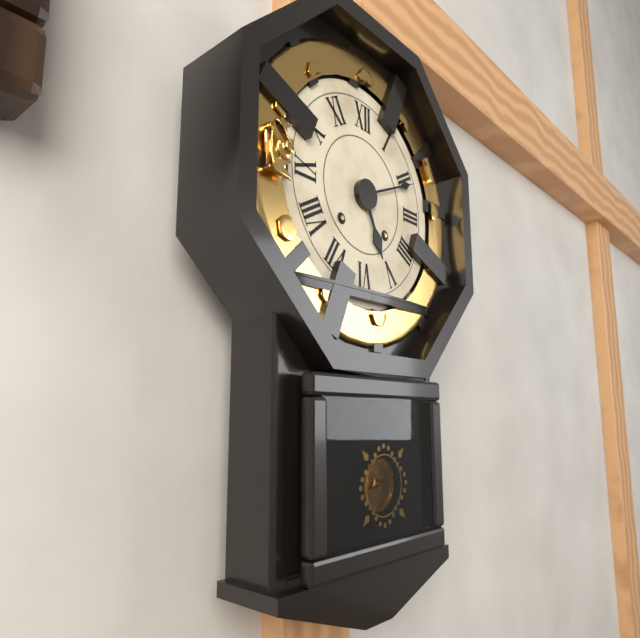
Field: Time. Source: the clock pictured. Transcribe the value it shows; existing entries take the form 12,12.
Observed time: 5,11
